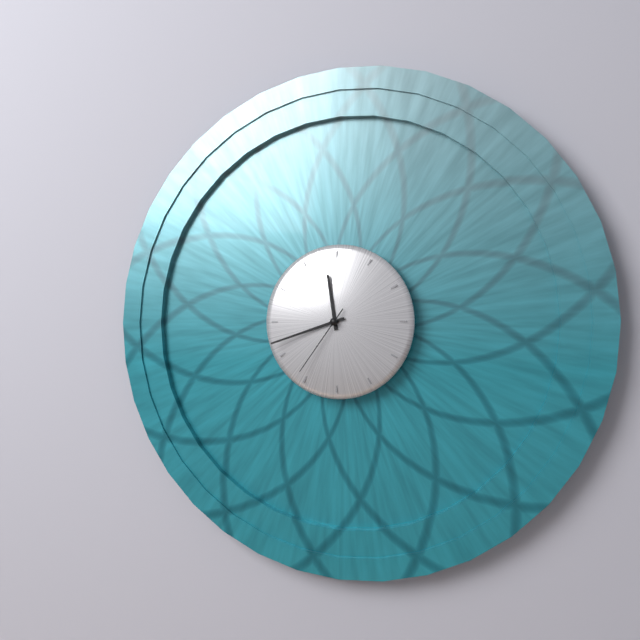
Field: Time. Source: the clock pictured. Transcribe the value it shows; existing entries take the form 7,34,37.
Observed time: 11,42,36
